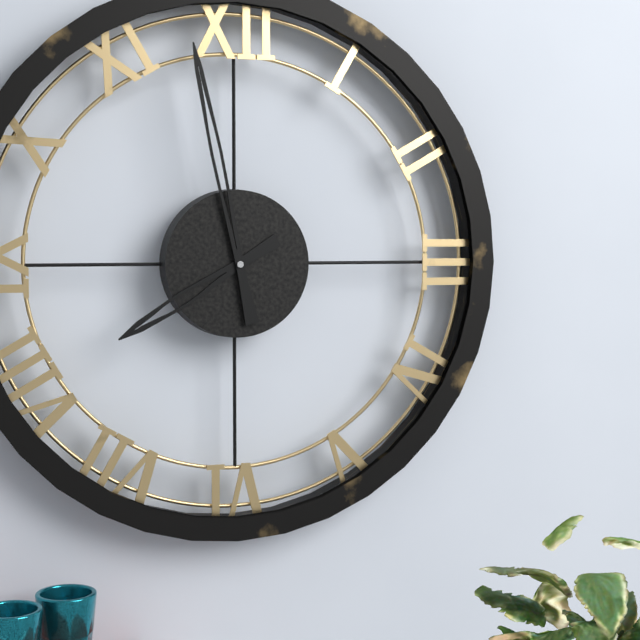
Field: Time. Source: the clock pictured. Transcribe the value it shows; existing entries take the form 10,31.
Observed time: 7,58
